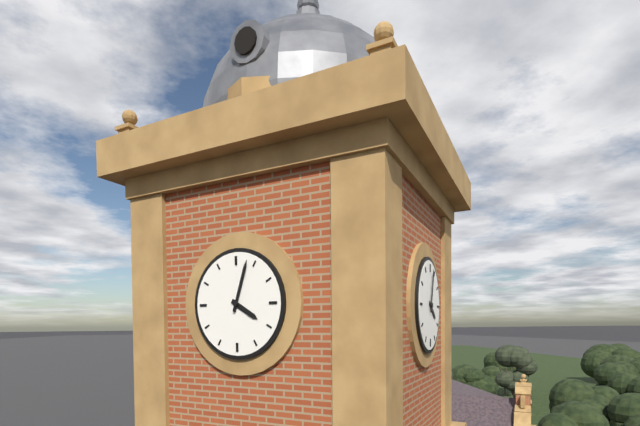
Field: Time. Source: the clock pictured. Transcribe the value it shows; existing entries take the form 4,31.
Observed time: 4,03
